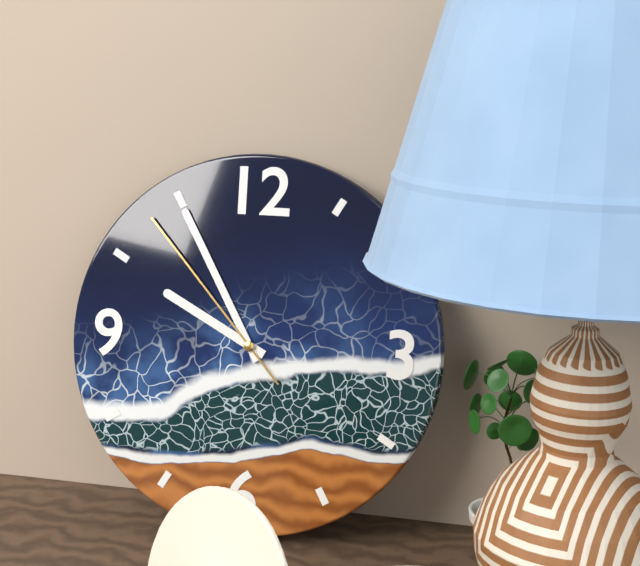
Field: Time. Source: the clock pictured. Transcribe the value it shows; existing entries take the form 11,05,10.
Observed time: 9,55,53
